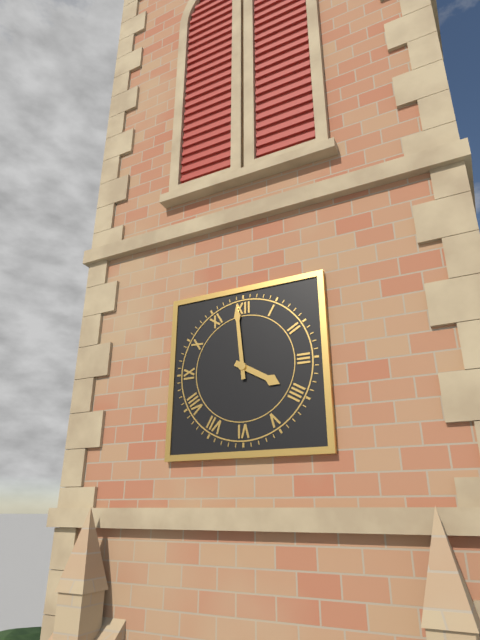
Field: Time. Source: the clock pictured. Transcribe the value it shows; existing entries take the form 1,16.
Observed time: 3,59
